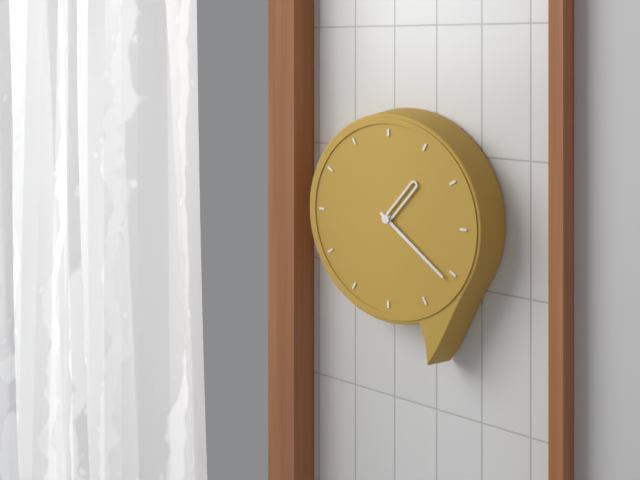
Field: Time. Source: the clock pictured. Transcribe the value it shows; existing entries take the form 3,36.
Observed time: 1,21
